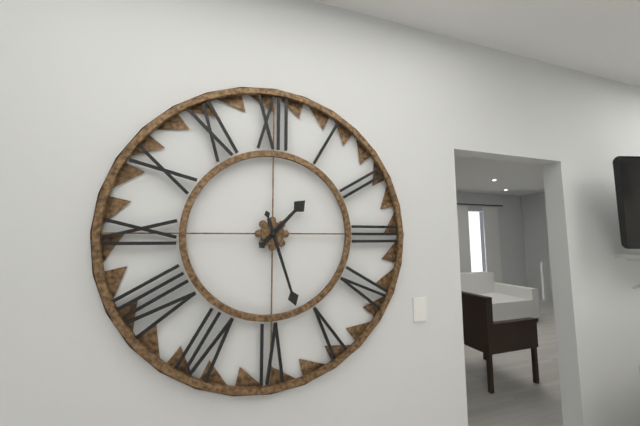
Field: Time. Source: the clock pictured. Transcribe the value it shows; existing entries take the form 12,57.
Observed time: 1,27
